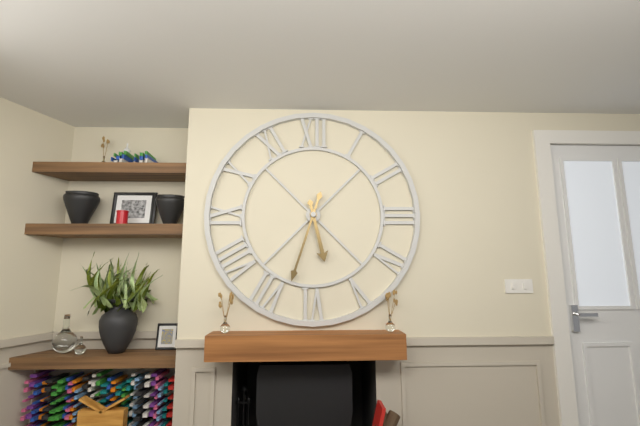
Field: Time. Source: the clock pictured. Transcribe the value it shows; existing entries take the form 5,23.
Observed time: 5,33
